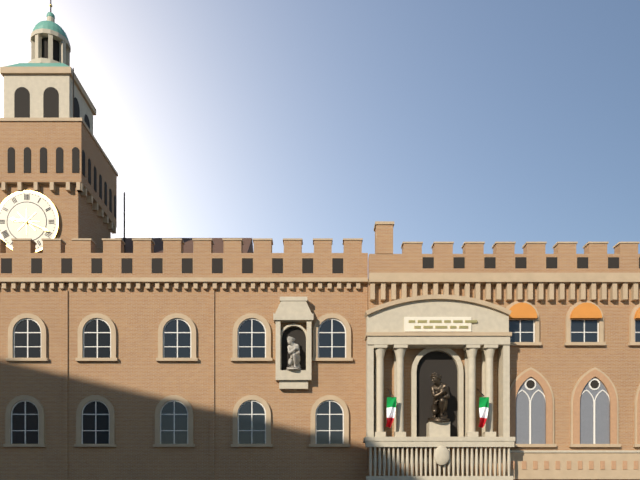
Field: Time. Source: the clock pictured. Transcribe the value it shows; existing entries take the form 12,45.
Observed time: 9,19
